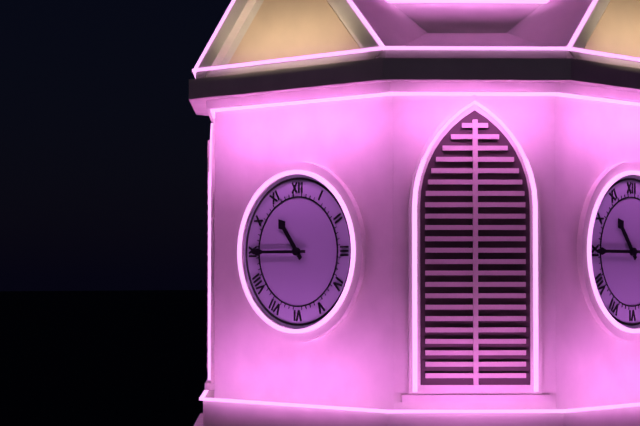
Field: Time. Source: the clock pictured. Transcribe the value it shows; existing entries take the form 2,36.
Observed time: 10,45
